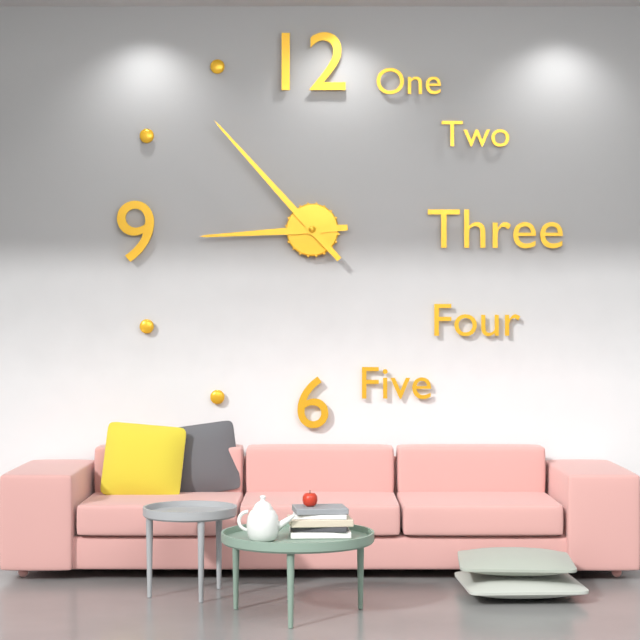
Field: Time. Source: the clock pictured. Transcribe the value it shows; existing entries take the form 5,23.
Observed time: 8,53
